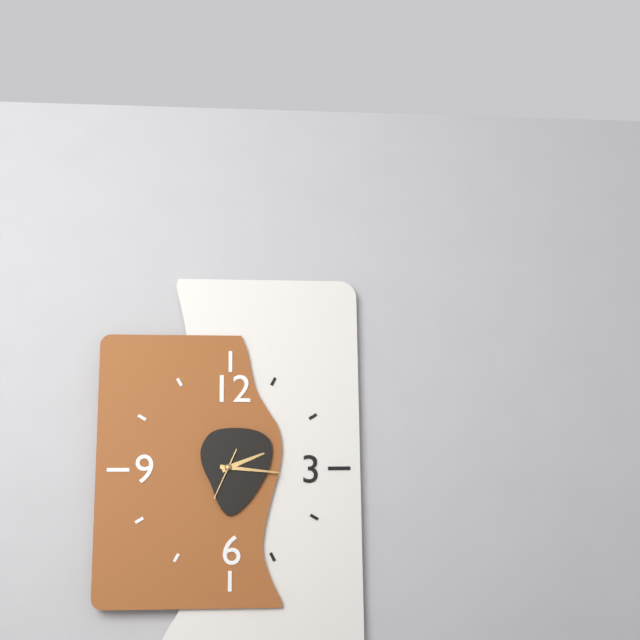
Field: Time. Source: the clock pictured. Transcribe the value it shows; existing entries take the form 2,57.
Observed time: 2,16
